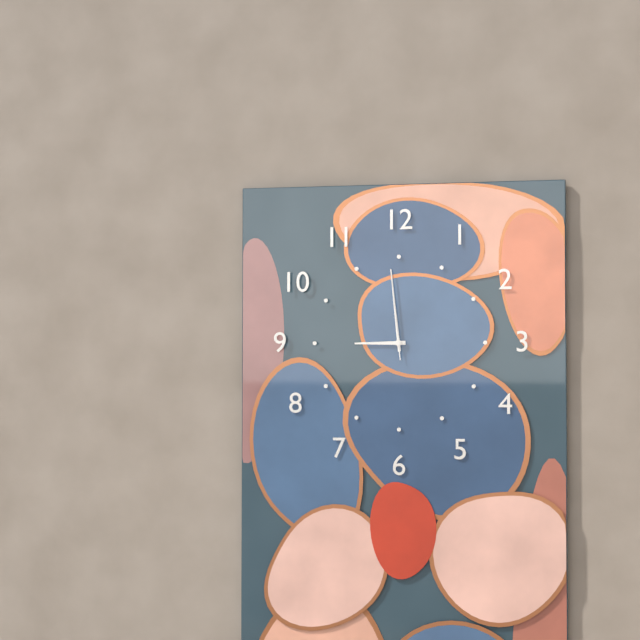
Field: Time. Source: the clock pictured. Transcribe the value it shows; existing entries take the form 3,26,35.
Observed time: 8,59,59
